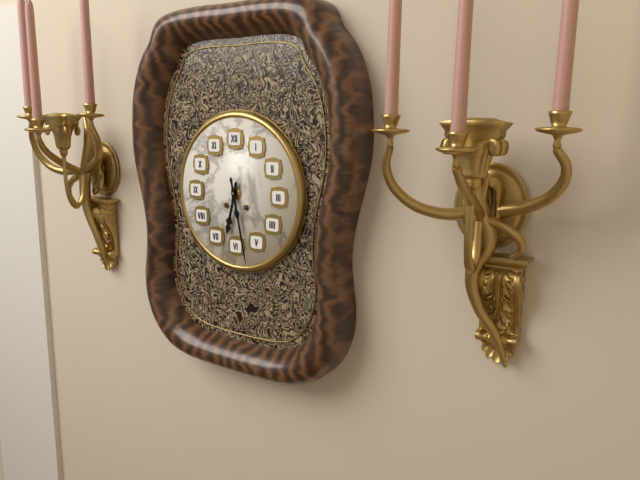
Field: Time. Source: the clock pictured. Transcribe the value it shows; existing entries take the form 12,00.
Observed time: 6,28
